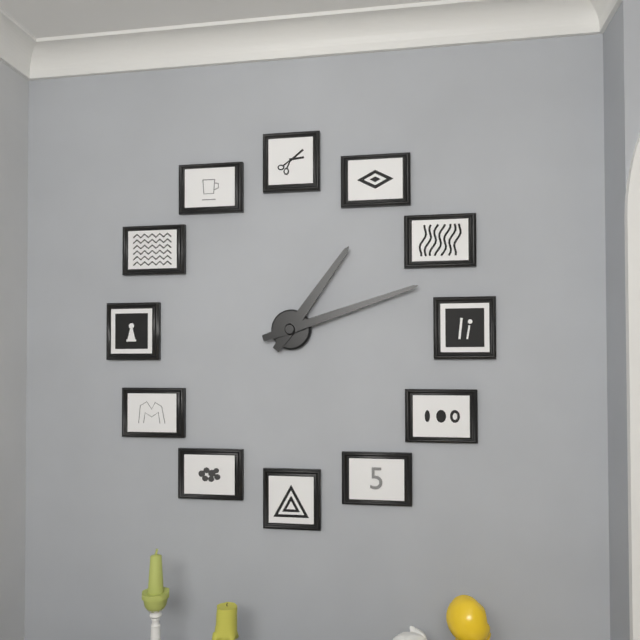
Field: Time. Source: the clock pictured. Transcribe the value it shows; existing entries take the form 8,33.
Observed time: 1,12
